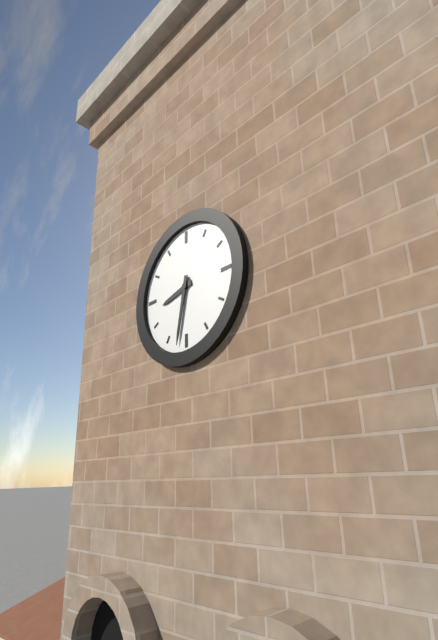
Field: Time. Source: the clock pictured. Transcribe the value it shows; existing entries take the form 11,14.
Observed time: 8,32
